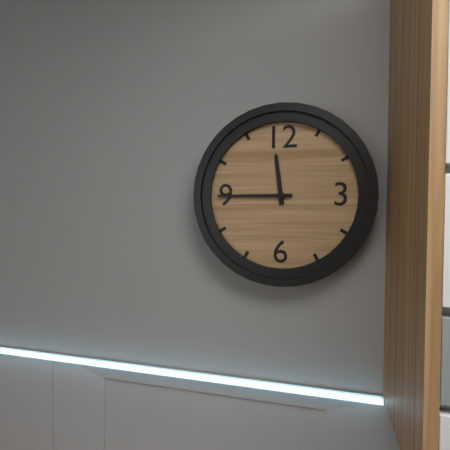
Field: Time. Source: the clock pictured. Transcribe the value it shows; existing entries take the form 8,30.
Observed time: 11,45
